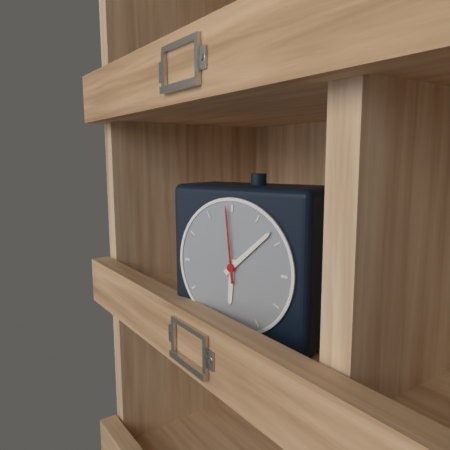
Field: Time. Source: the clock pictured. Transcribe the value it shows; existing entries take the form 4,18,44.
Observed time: 6,08,59
